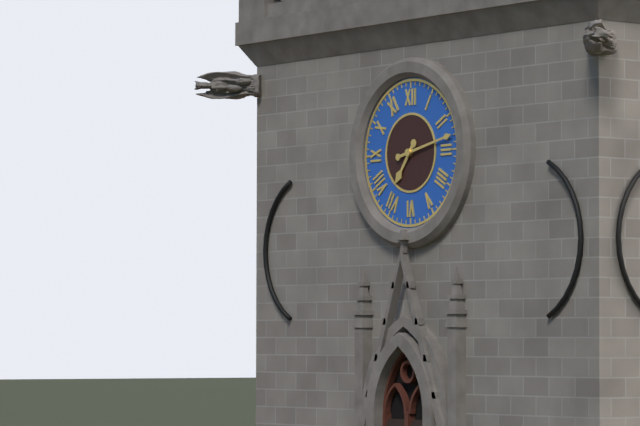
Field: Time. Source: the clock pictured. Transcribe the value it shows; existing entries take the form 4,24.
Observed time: 7,13
